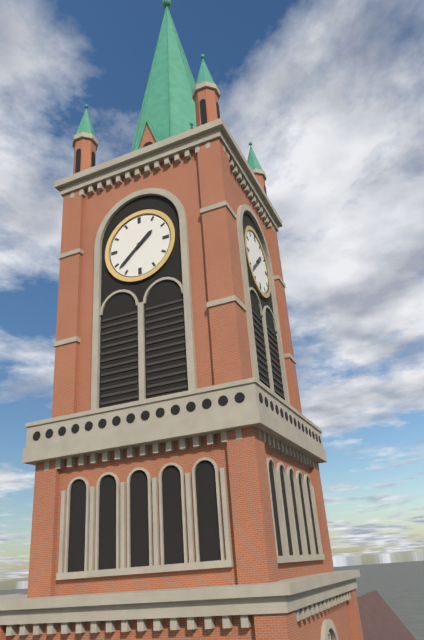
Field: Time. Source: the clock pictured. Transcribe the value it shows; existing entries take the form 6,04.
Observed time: 1,38
